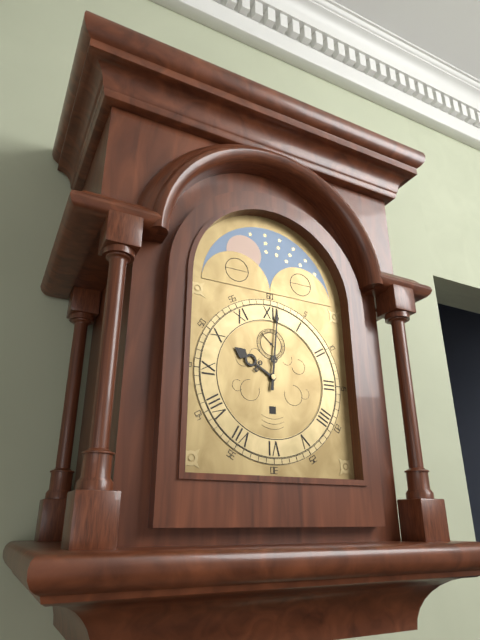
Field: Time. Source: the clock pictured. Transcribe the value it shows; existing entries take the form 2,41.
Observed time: 10,01
